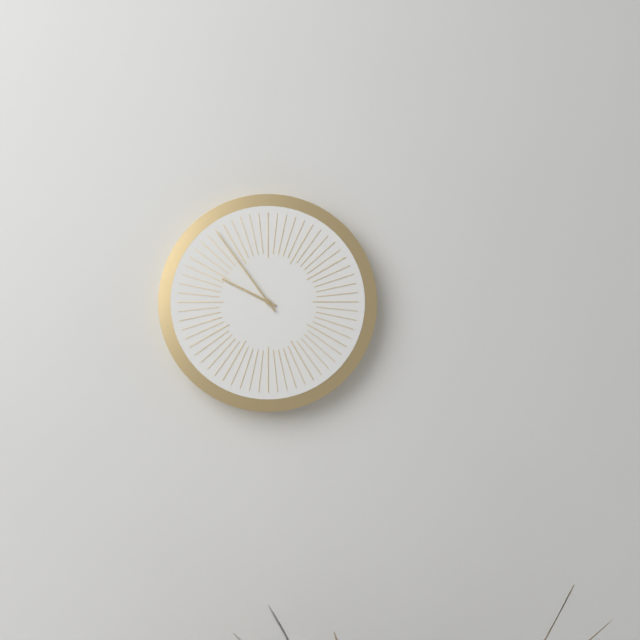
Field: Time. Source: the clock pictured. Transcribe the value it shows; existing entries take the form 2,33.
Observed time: 9,54
